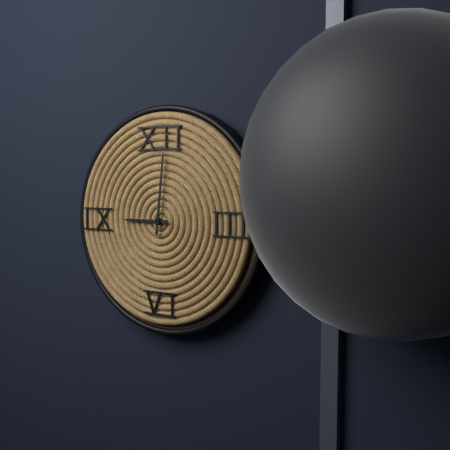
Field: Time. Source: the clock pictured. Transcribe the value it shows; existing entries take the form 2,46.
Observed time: 9,01
